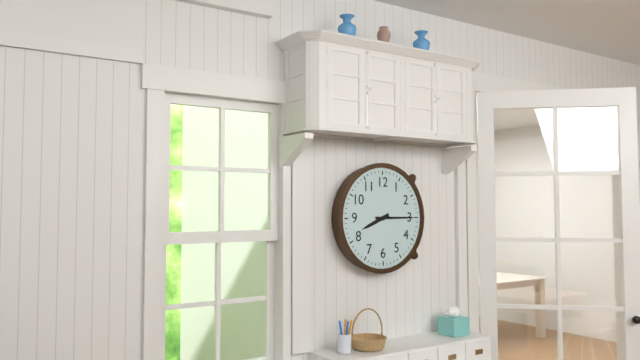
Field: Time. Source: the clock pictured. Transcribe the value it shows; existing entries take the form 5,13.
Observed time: 8,15
